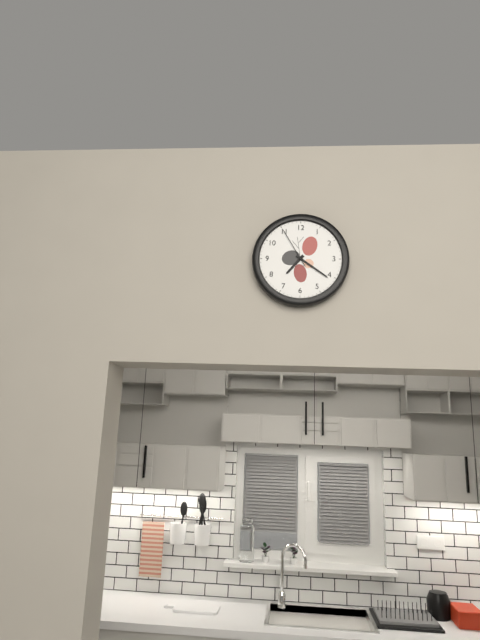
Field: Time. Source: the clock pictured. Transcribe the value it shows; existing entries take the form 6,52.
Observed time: 7,21
